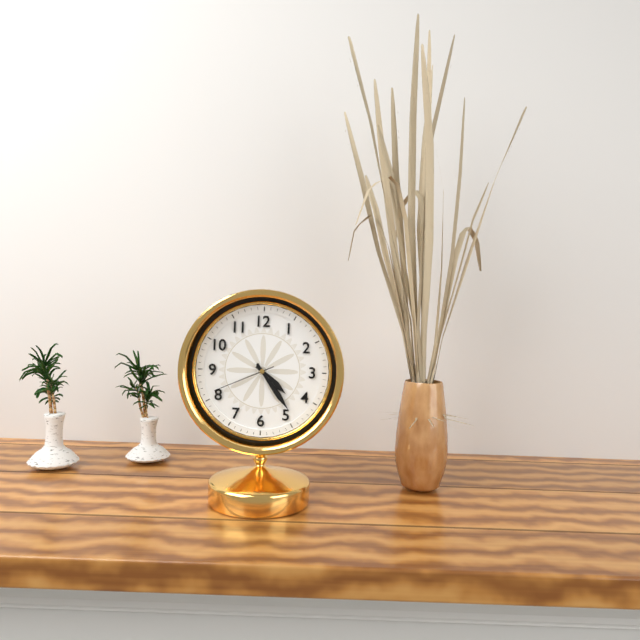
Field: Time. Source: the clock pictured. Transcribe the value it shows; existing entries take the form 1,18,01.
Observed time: 4,24,41
